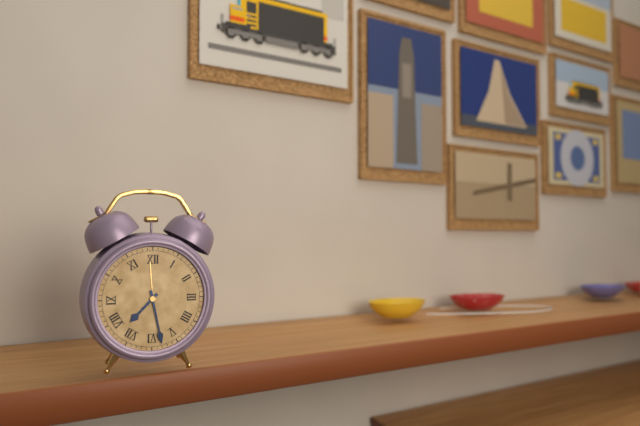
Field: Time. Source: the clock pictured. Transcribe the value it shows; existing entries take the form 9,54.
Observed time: 7,28
